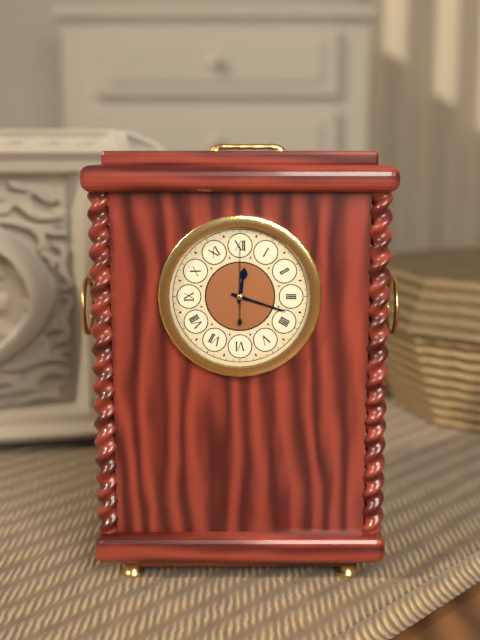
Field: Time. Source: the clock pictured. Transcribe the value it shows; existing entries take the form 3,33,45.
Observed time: 12,18,00
